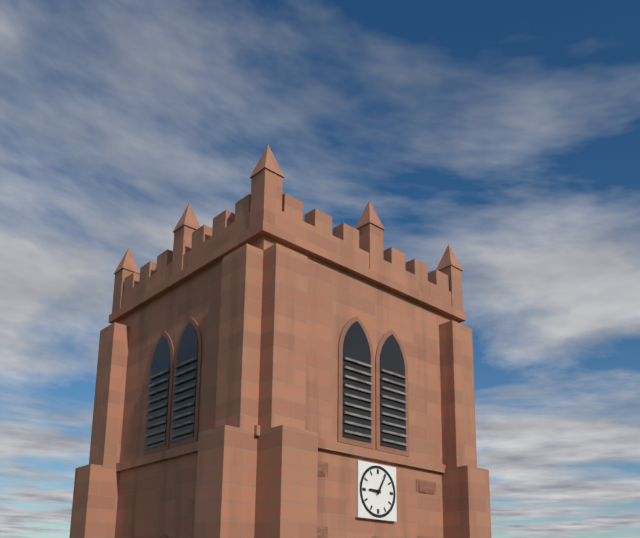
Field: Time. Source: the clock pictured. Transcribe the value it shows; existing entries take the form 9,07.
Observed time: 9,05
